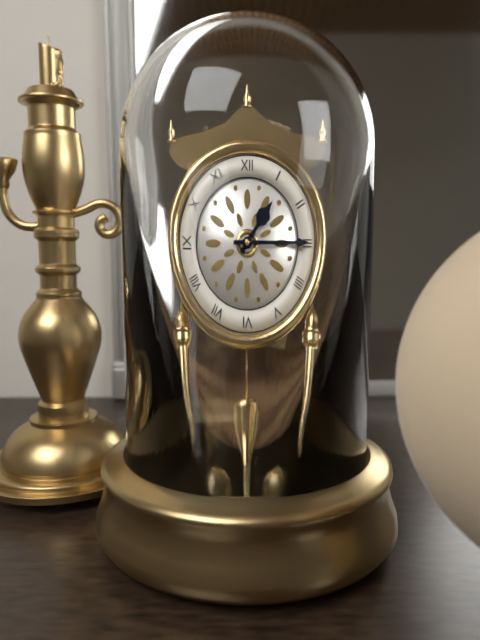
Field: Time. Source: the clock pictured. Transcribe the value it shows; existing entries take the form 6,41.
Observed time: 1,15
